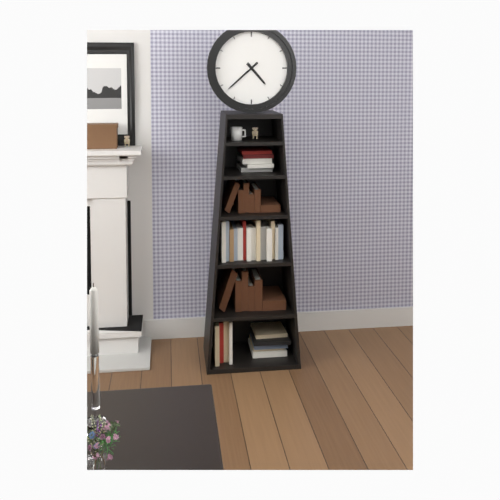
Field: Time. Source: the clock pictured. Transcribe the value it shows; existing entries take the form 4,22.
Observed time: 4,38
